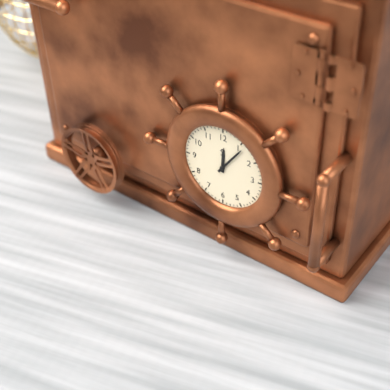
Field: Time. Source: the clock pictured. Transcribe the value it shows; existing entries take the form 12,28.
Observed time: 12,06
